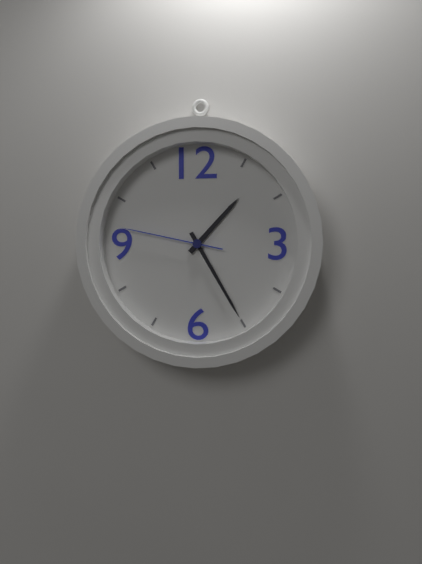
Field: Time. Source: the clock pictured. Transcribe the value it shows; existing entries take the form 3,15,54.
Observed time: 1,25,47
